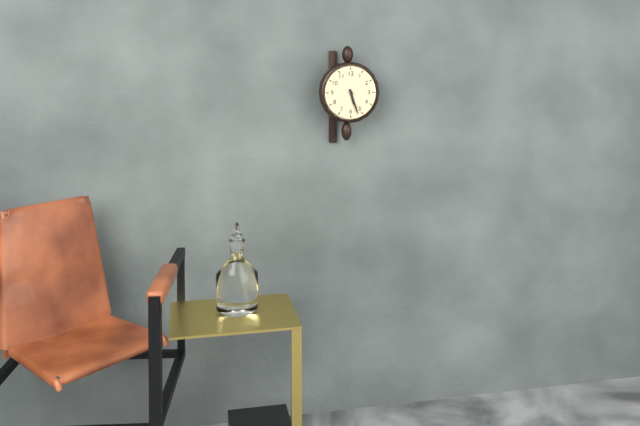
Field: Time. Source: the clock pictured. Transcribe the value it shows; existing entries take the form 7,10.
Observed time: 5,27
